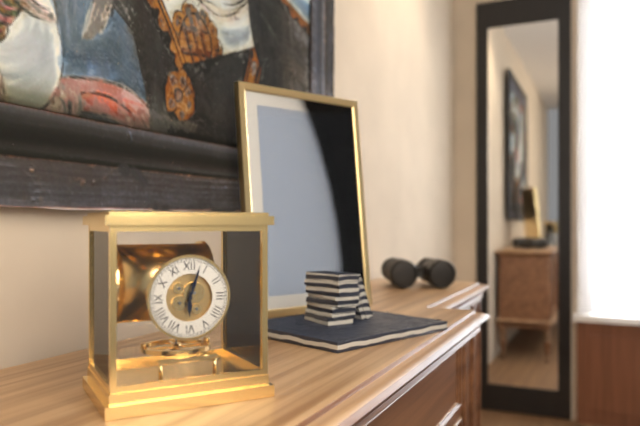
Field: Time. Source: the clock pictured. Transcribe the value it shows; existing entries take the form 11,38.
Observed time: 6,03
